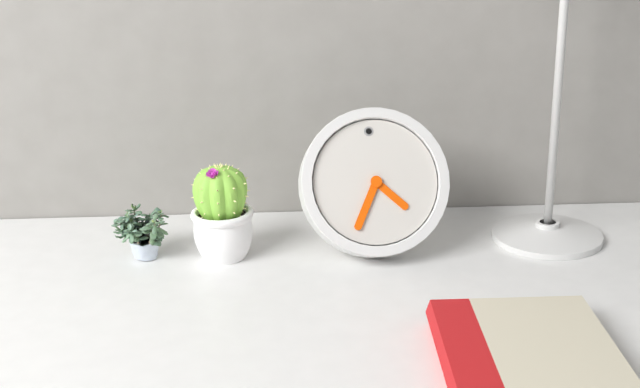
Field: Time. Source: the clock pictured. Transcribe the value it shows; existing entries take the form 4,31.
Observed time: 4,35
